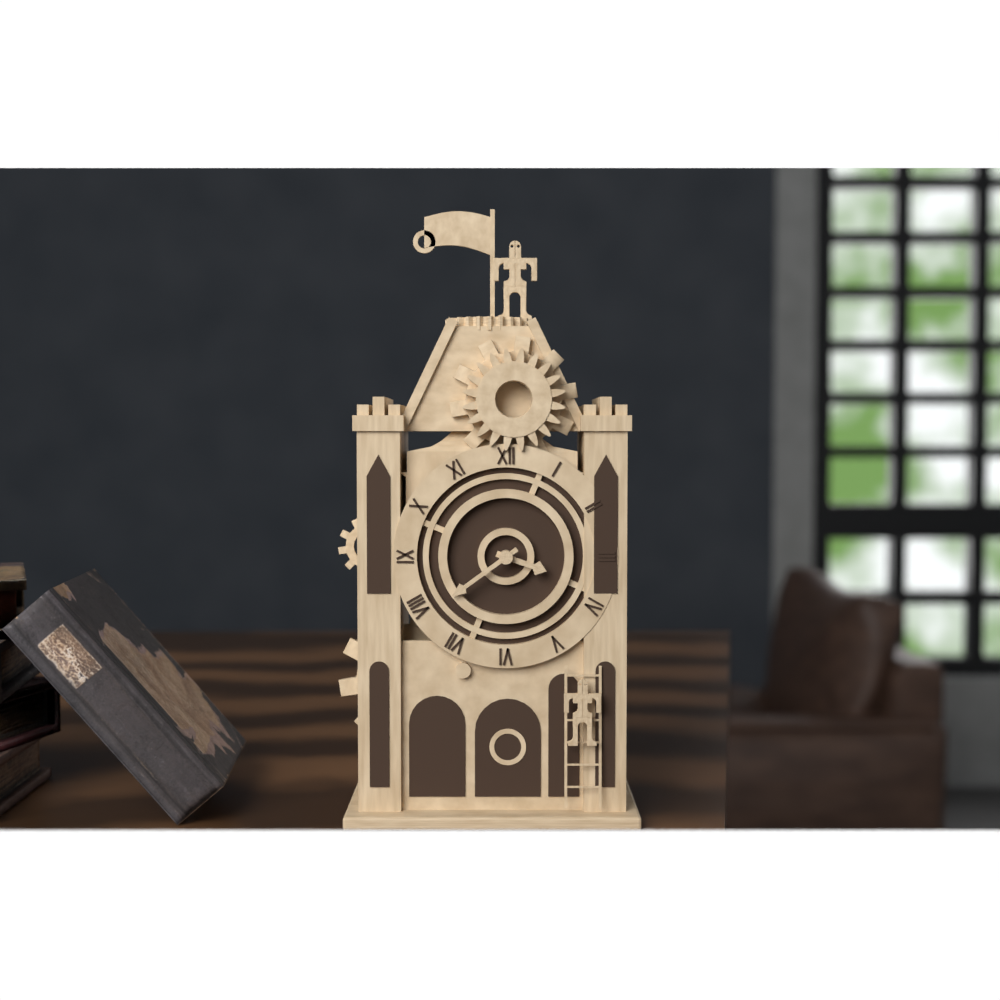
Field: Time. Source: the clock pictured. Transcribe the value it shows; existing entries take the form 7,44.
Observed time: 3,39
